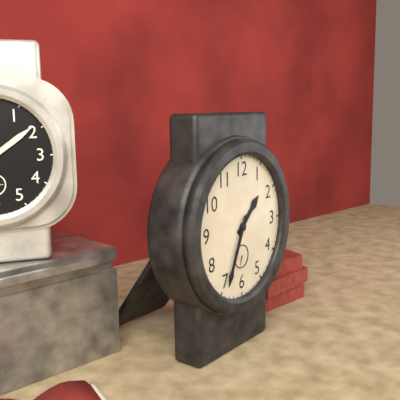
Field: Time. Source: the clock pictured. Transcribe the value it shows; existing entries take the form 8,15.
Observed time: 1,34
